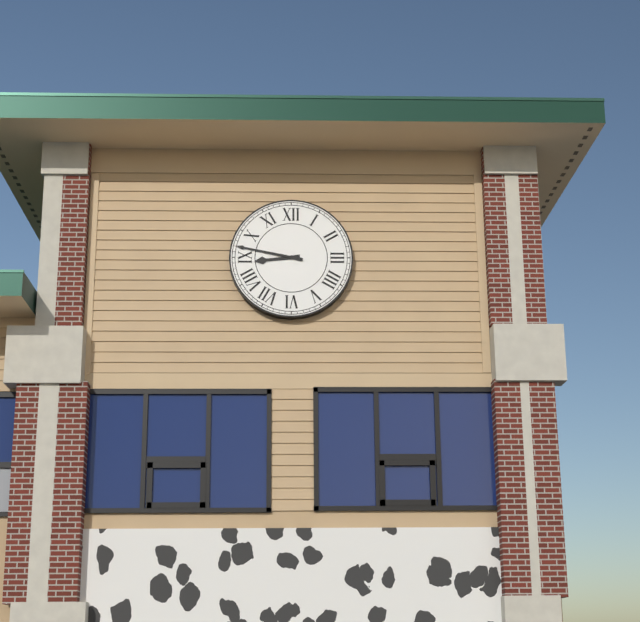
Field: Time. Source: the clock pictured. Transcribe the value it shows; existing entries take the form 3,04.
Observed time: 8,47
